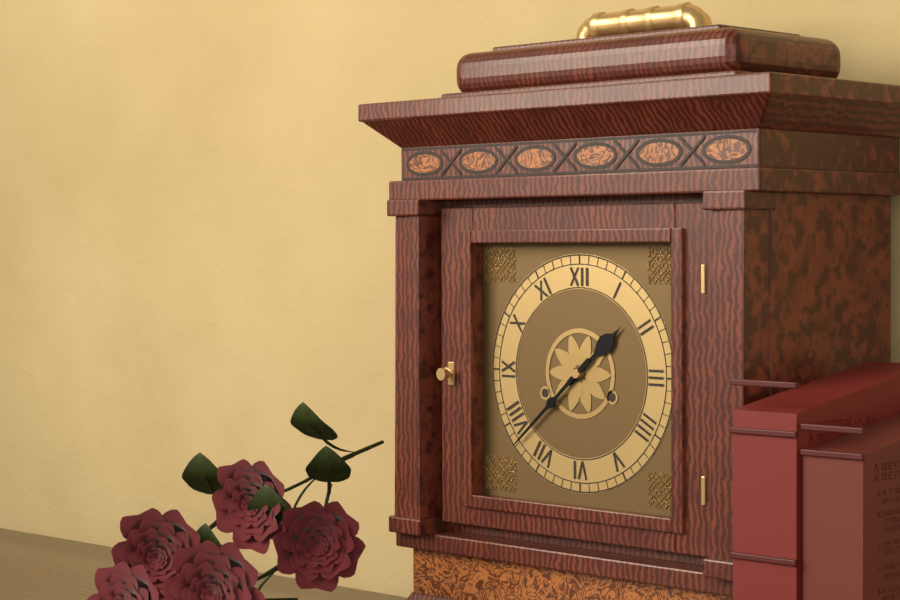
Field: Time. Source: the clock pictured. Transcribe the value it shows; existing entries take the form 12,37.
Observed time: 1,38
